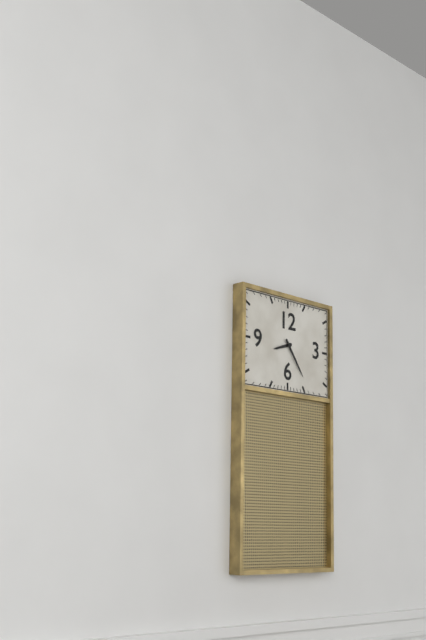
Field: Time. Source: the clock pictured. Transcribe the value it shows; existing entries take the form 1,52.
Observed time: 8,24
